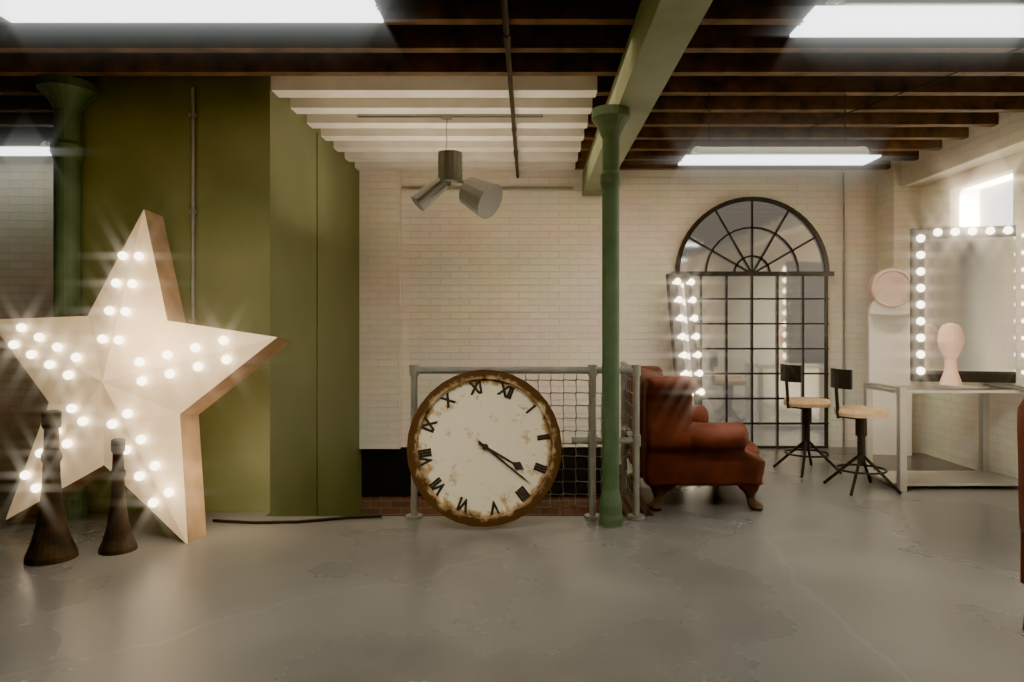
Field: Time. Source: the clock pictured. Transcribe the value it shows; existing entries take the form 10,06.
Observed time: 3,18
